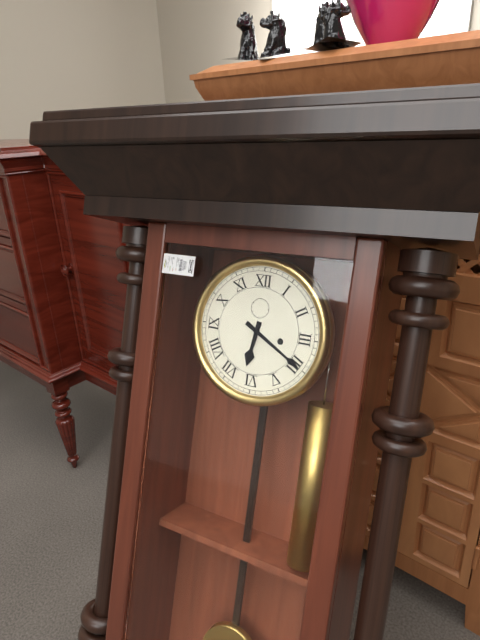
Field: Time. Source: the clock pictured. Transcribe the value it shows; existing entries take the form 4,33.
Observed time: 6,20
